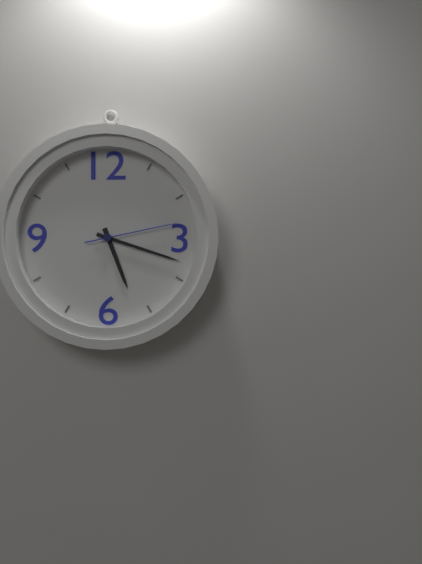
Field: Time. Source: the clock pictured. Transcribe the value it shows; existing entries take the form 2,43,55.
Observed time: 5,18,13
